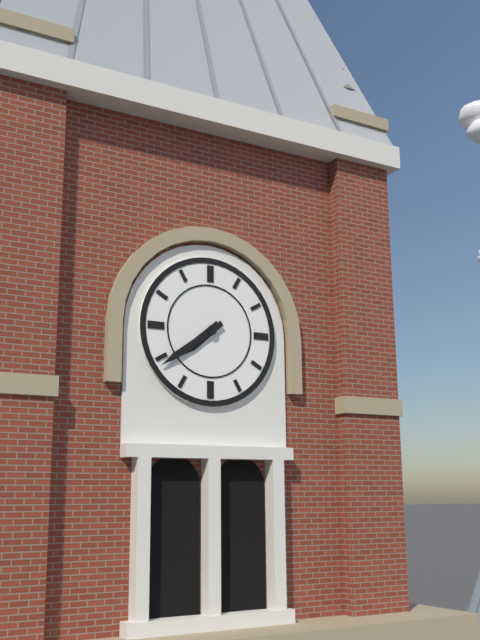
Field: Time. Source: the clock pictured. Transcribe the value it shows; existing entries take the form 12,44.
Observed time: 7,39
